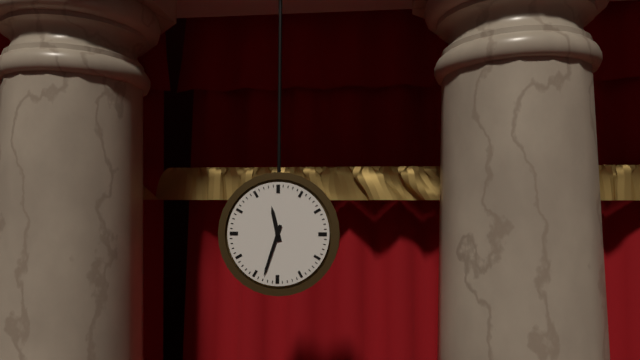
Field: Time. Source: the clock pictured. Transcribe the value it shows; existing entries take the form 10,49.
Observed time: 11,33
